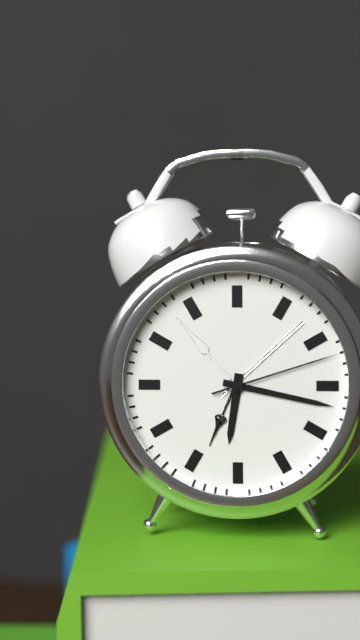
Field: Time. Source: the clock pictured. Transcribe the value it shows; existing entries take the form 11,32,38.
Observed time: 6,17,12
